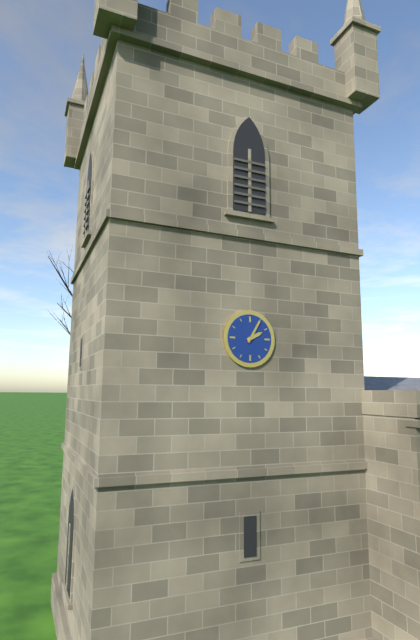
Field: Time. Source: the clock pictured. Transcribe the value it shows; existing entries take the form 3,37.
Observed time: 2,05
